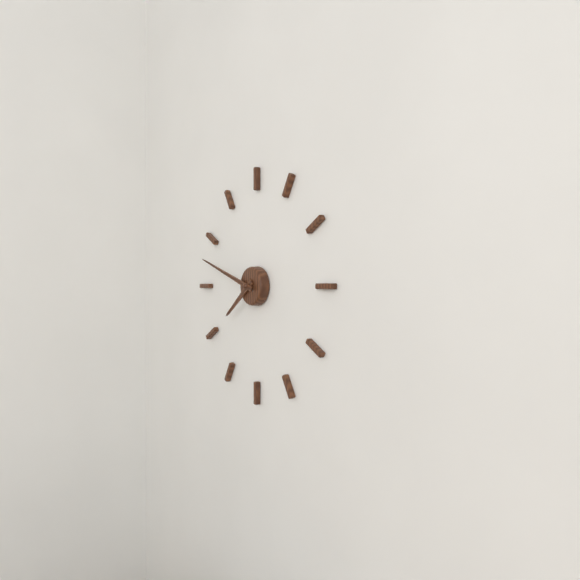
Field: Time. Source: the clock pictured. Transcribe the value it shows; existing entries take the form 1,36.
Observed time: 7,48
